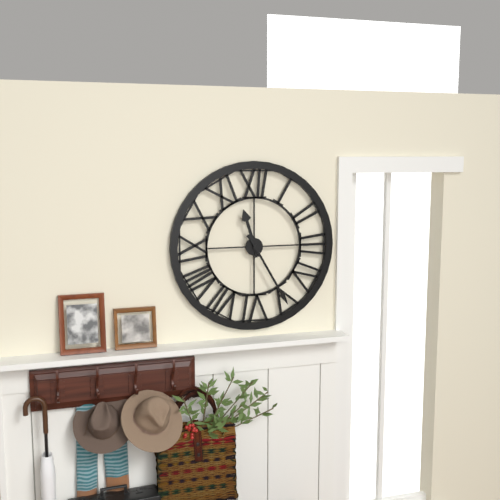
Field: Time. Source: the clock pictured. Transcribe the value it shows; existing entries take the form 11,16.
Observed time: 11,25
